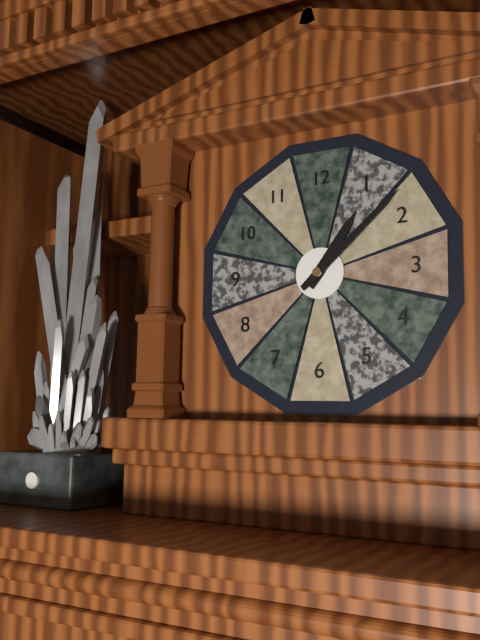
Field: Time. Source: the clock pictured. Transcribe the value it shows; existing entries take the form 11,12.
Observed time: 1,08
